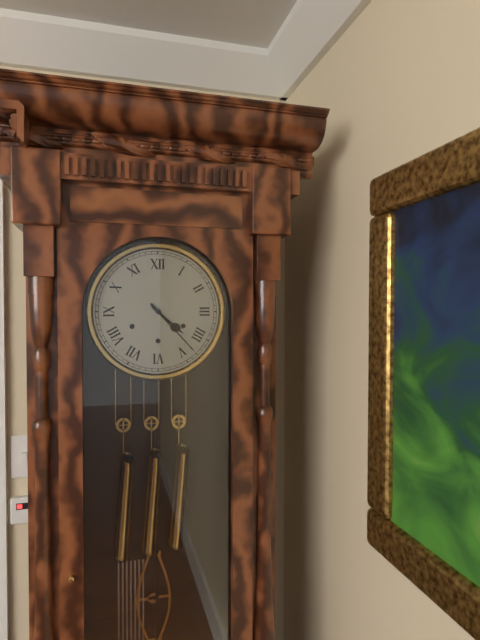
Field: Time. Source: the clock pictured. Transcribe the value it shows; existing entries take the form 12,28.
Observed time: 4,23
